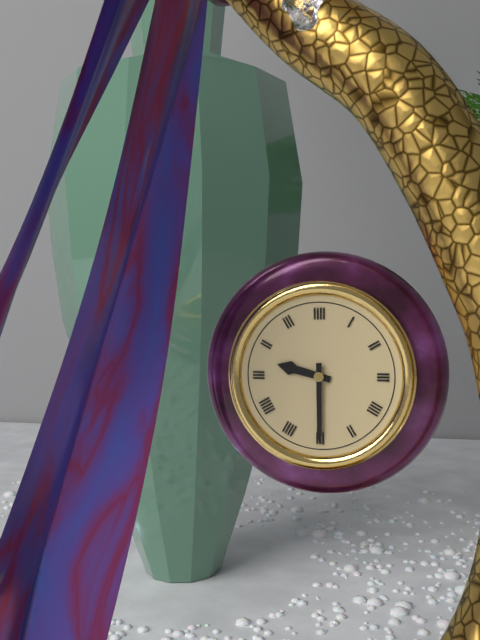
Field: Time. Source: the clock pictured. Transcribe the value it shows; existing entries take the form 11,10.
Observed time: 9,30
